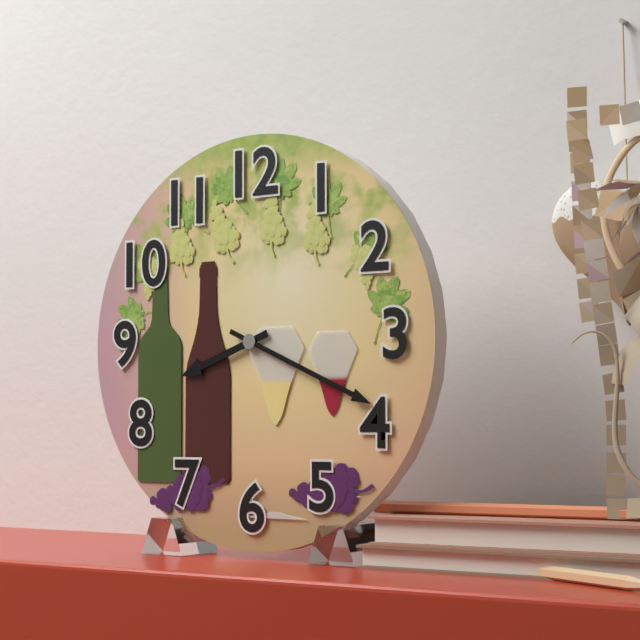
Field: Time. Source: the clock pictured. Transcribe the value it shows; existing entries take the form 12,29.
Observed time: 8,19
